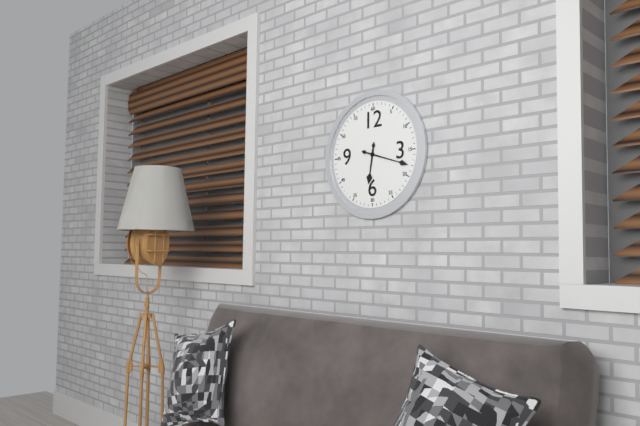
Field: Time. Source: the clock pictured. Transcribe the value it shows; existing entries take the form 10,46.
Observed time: 6,18
